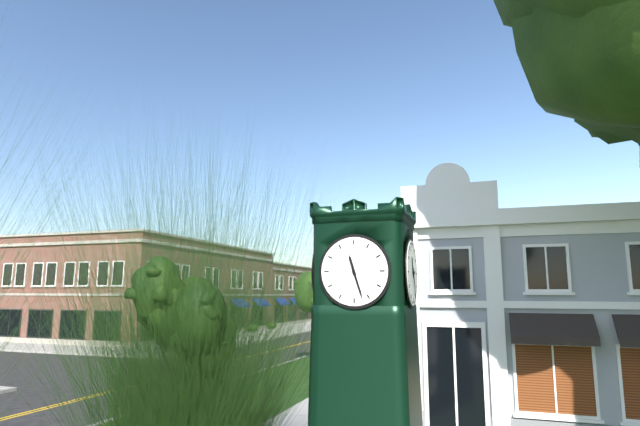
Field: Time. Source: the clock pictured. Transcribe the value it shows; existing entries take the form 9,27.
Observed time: 11,27
